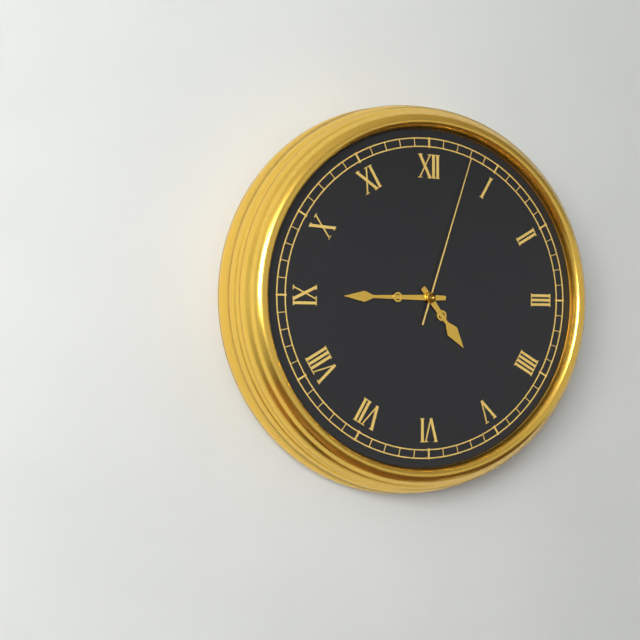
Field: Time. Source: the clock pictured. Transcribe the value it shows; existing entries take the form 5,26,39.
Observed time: 4,45,03
